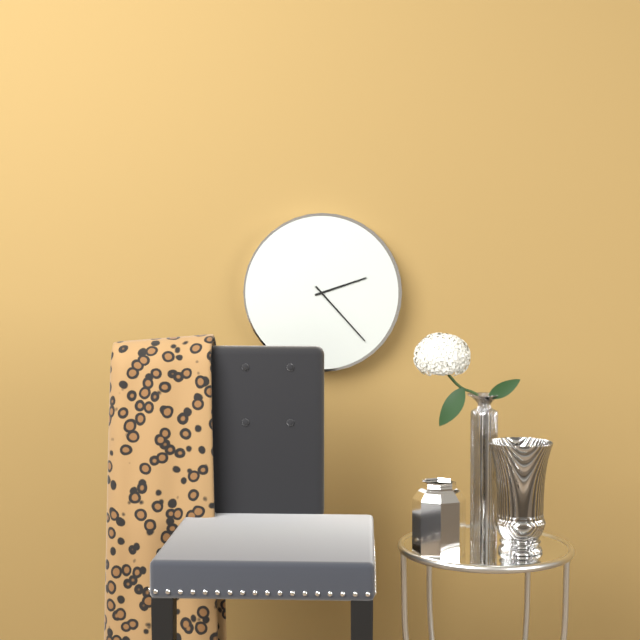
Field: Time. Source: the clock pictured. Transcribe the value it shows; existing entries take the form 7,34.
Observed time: 2,23
